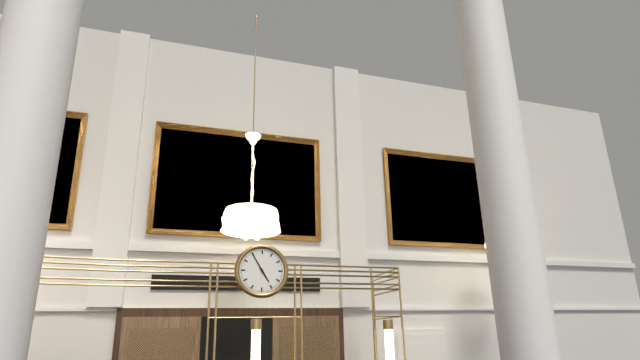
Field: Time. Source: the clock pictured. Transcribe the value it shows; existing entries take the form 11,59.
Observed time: 4,55
